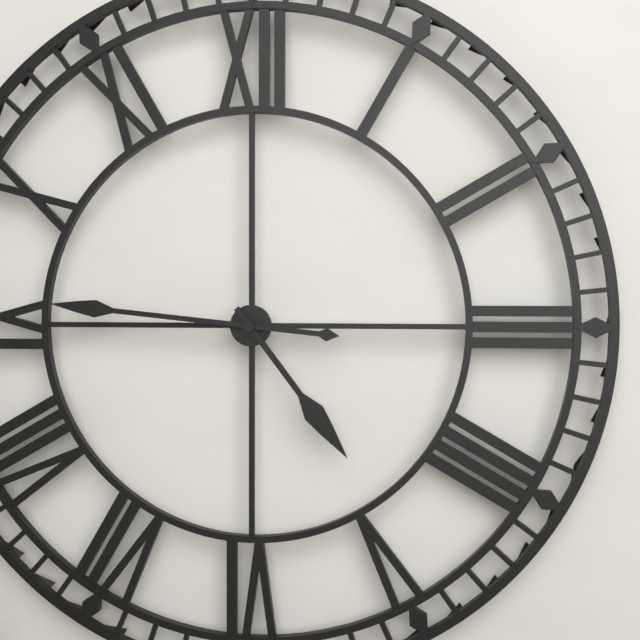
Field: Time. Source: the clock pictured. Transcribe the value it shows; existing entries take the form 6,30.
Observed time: 4,46
